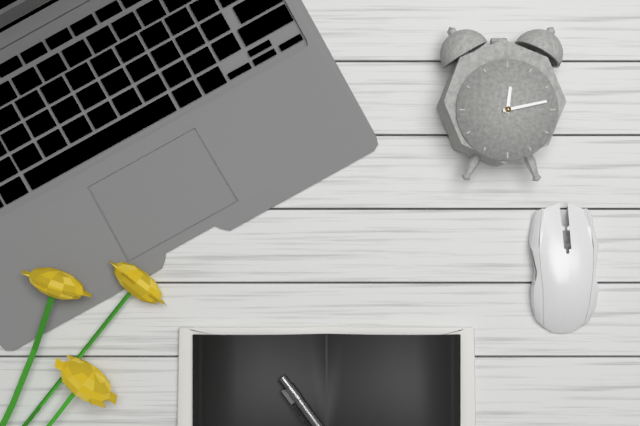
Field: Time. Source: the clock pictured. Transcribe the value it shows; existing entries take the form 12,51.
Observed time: 12,13
